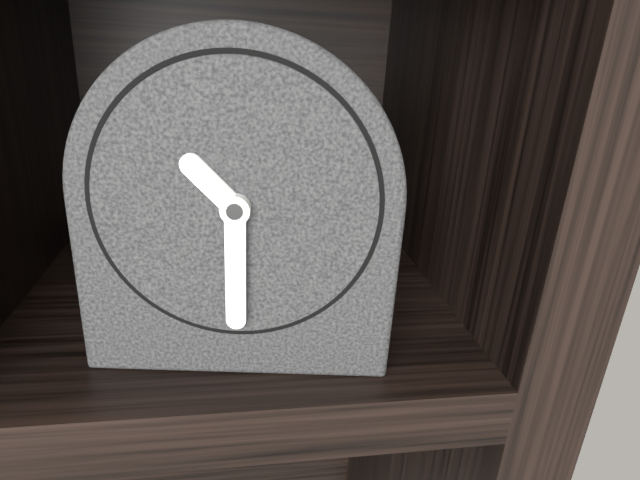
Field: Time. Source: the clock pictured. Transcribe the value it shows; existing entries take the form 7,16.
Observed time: 10,30
